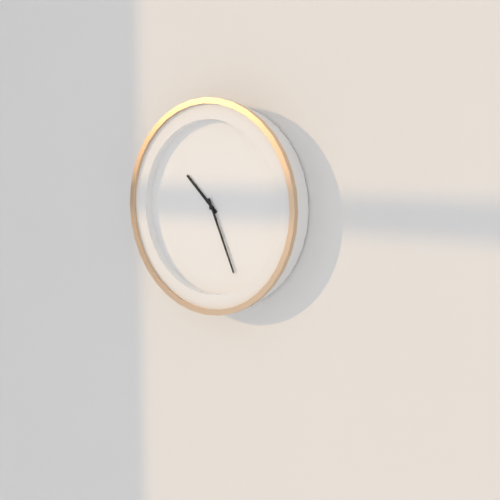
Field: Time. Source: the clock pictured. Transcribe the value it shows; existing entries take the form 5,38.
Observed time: 10,26
